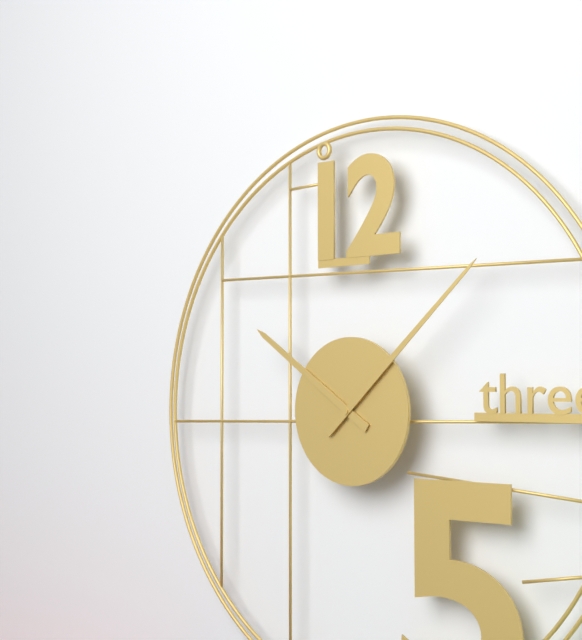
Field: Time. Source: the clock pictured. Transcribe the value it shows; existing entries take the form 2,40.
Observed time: 10,08
